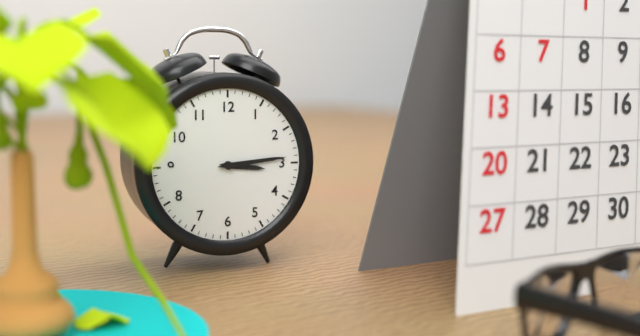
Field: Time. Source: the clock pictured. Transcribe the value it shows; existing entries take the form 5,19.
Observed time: 3,14
